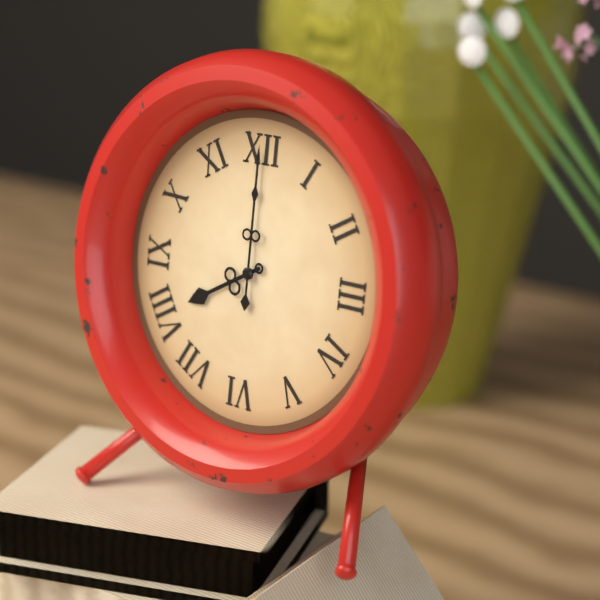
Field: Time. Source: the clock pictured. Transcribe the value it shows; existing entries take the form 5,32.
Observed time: 8,00
